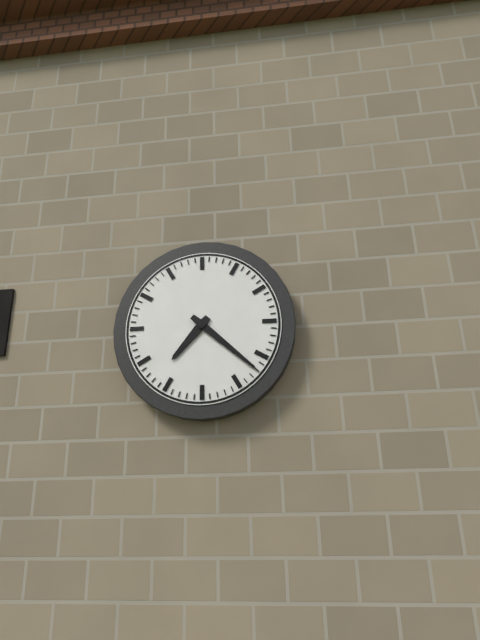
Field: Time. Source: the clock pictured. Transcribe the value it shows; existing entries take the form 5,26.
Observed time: 7,22
